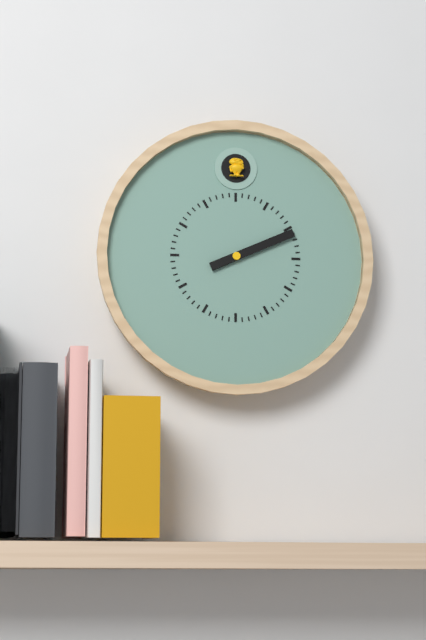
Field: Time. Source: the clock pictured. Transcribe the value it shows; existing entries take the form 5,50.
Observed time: 2,11
